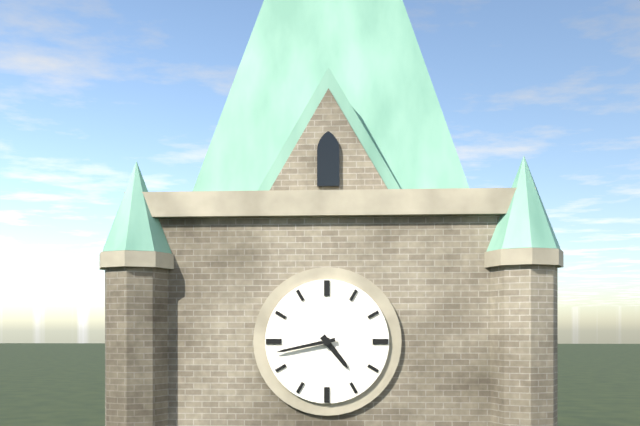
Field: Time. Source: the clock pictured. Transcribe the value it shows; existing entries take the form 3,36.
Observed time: 4,43
